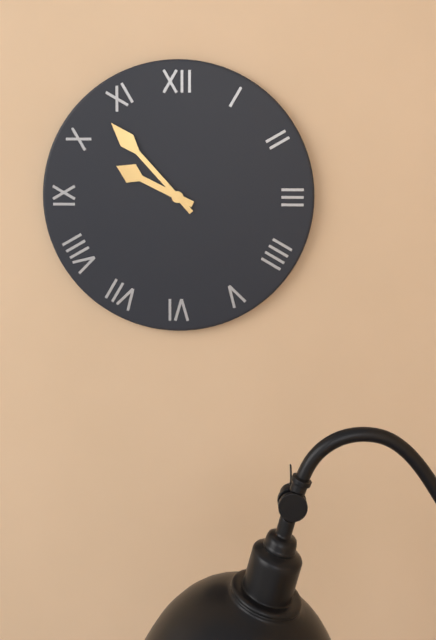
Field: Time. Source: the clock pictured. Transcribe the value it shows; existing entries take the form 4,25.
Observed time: 9,53
